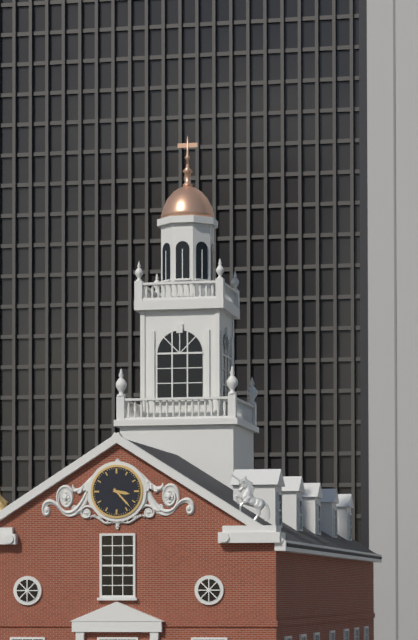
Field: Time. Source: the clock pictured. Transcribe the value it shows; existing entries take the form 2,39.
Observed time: 3,23
